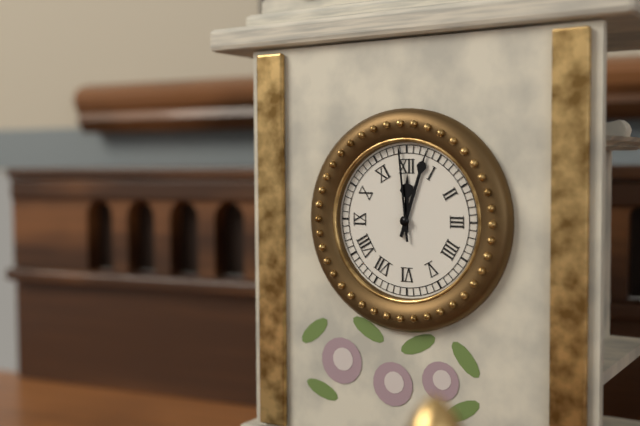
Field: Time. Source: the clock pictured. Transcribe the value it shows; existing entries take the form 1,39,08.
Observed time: 12,03,59
